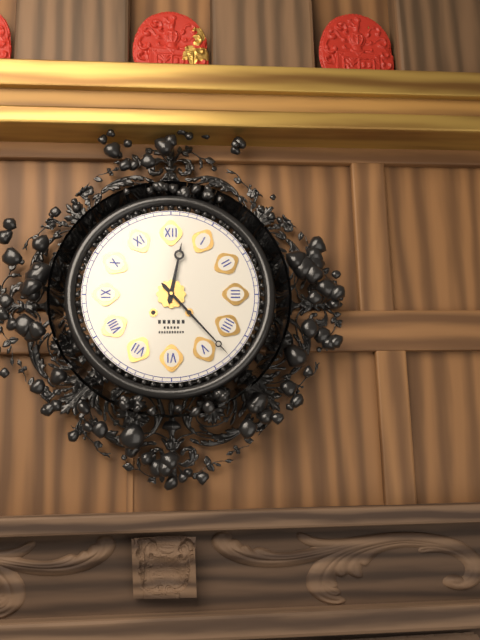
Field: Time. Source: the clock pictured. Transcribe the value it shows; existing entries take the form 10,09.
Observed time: 12,23
